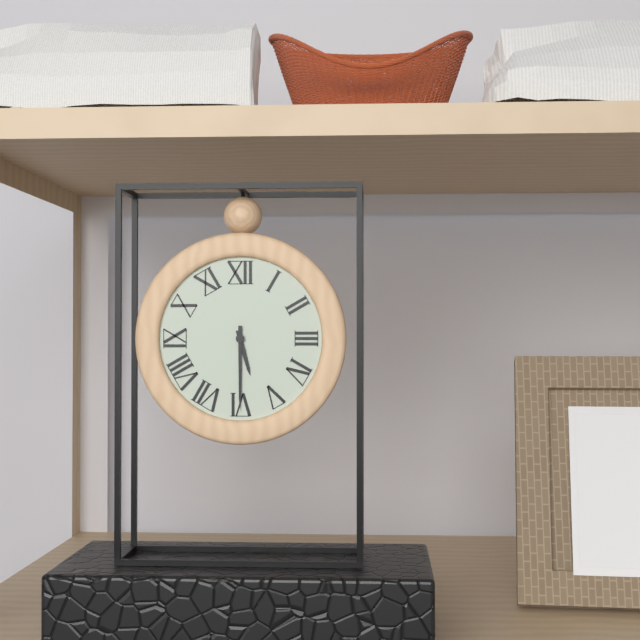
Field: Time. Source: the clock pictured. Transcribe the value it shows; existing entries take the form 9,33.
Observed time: 5,30
